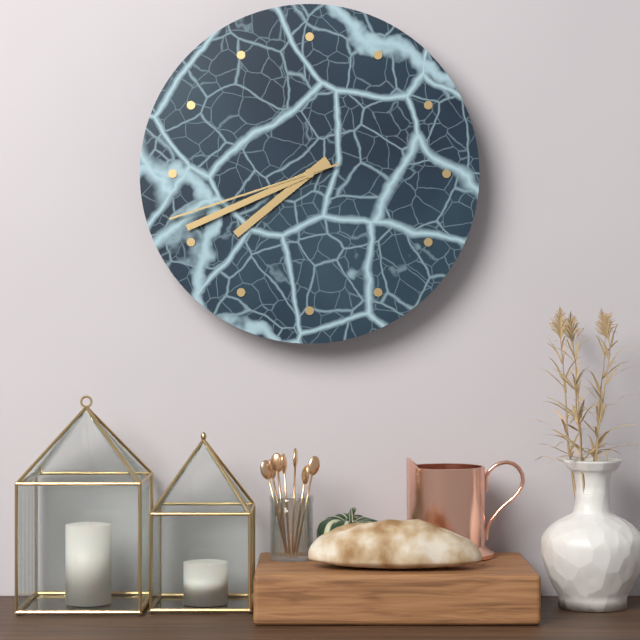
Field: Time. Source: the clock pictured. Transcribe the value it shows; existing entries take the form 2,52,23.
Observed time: 7,41,42
